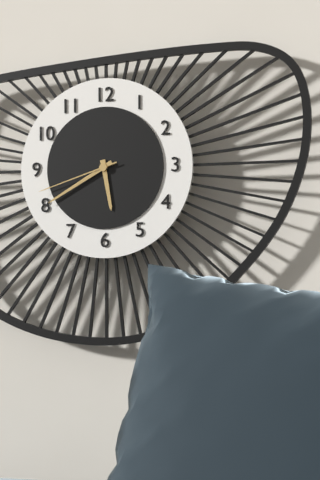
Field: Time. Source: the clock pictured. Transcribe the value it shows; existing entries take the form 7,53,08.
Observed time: 5,40,42
